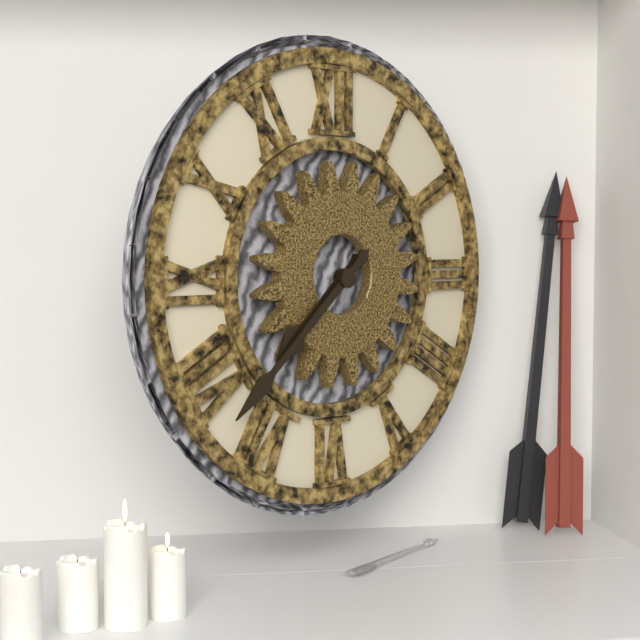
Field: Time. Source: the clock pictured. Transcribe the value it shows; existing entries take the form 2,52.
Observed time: 7,38
